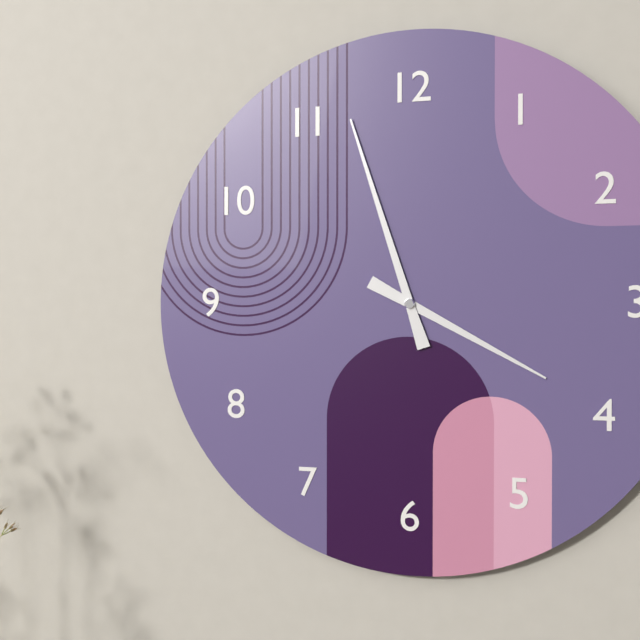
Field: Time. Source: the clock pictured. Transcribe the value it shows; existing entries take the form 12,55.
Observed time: 3,57
